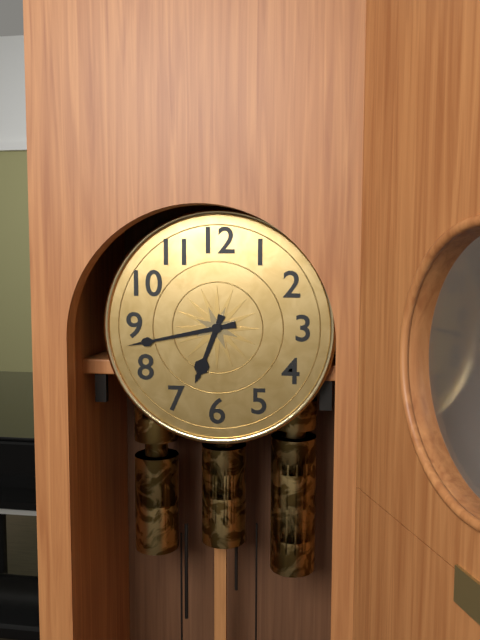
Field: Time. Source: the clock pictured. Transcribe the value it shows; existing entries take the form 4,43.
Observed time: 6,43
